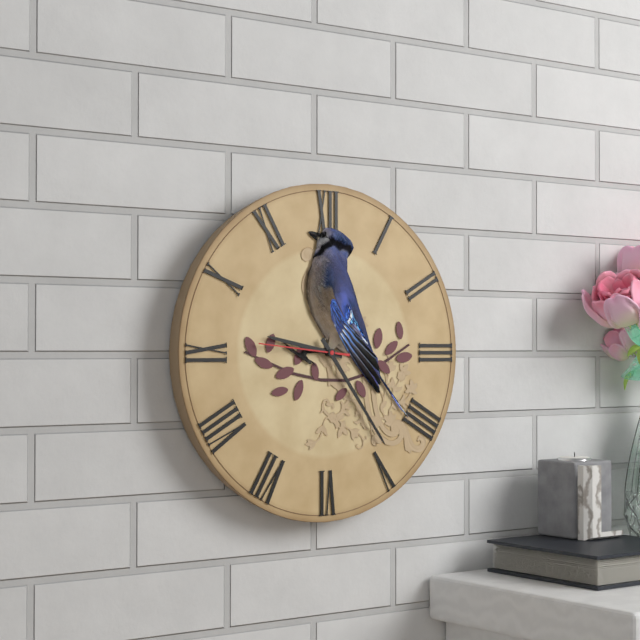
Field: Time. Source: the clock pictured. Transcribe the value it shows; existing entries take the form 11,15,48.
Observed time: 9,24,46
